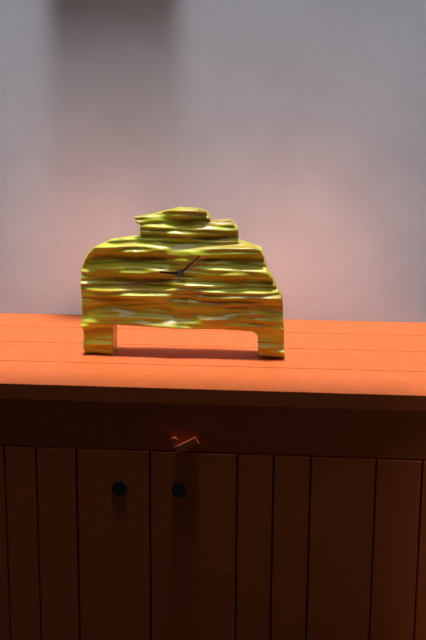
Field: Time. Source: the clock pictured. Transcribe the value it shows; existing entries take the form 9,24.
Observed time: 9,08
